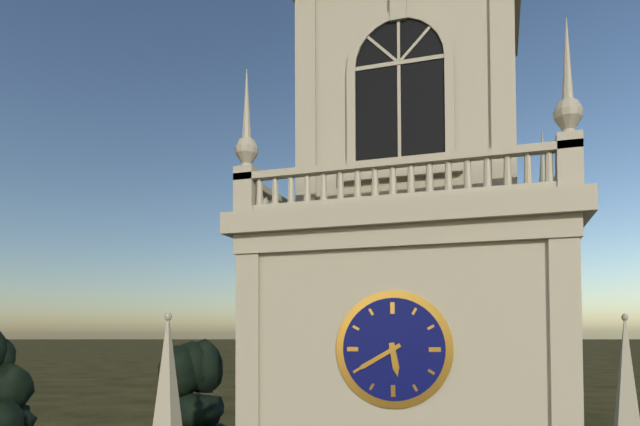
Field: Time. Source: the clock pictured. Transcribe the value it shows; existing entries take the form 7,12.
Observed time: 5,40
